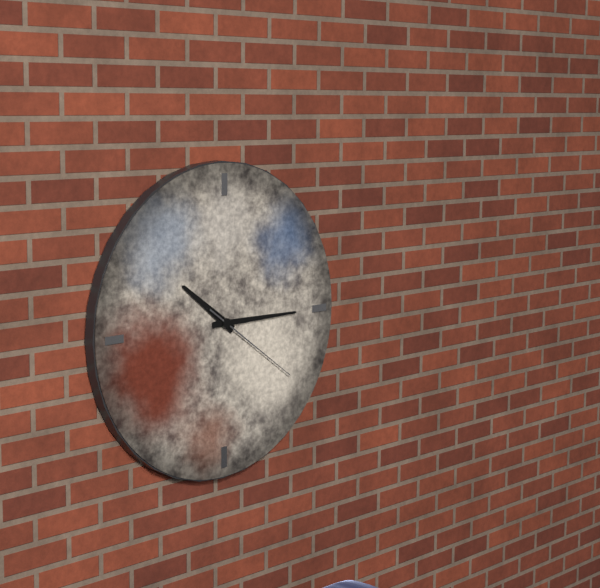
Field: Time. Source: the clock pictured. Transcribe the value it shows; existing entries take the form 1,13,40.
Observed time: 10,15,21
